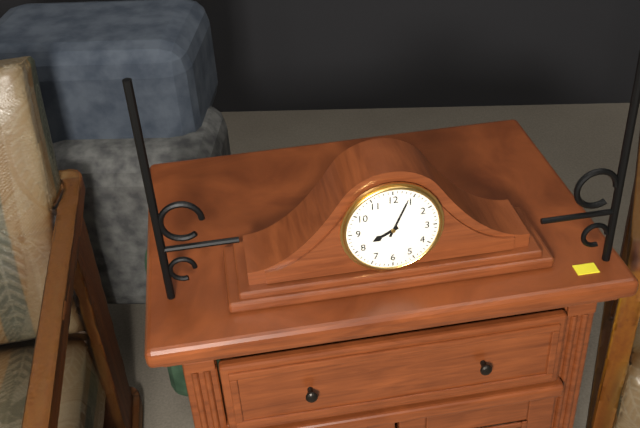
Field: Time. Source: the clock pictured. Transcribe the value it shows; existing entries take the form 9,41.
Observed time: 8,04
